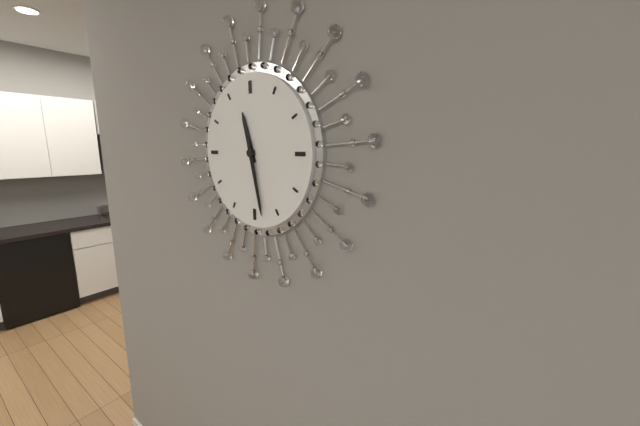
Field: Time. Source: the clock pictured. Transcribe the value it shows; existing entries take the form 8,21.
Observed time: 11,28
